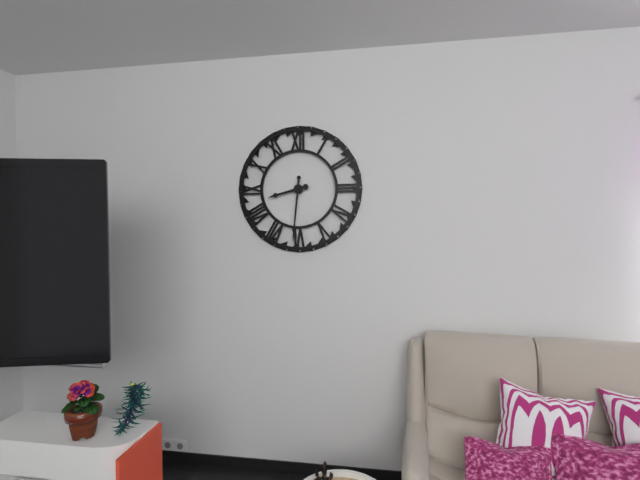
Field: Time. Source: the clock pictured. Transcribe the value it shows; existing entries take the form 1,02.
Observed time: 8,31
